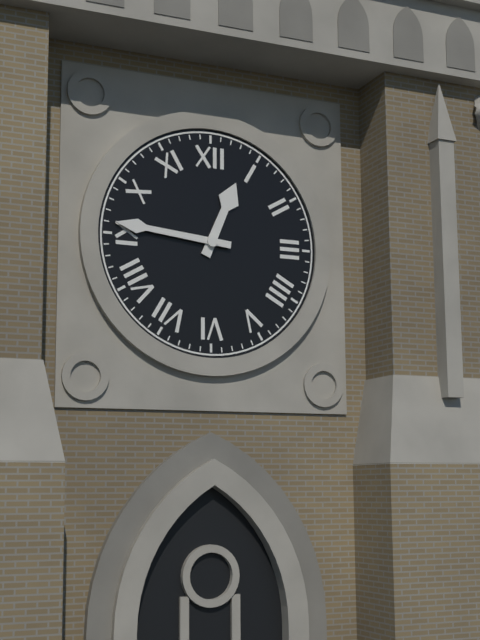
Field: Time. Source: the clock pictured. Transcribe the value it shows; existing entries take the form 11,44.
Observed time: 12,46
